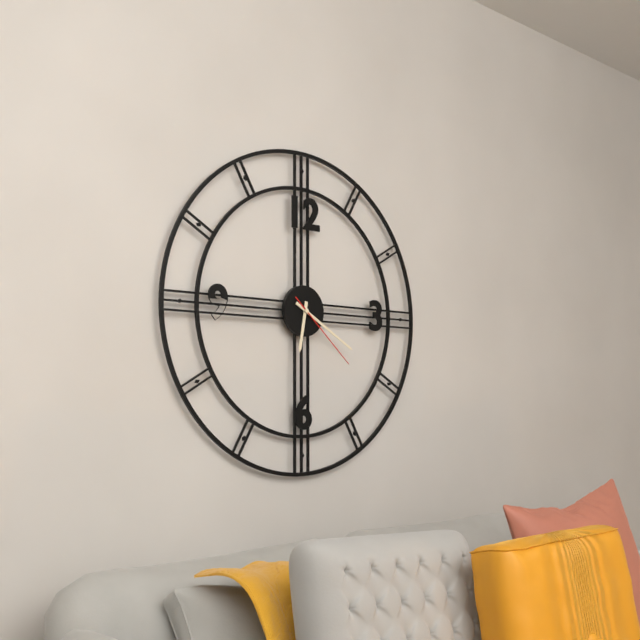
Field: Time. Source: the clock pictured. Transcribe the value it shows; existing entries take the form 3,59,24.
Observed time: 6,20,22
